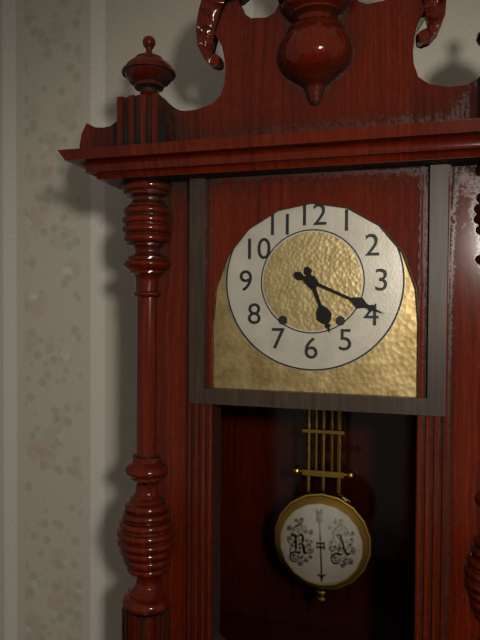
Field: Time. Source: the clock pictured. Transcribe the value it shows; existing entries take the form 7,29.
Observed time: 5,19
